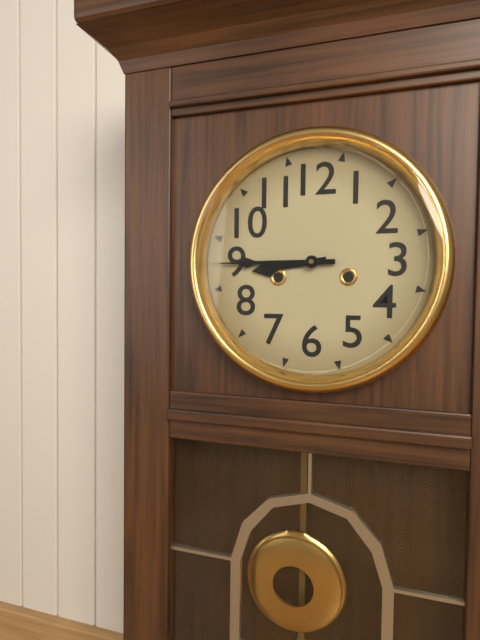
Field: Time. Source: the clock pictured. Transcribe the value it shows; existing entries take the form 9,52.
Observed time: 8,45
